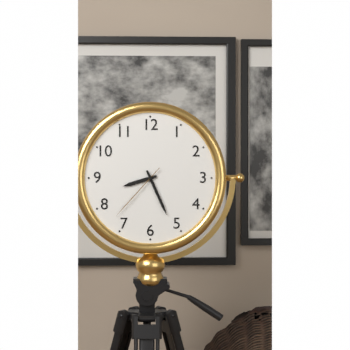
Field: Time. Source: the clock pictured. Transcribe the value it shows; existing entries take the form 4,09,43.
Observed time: 8,26,37
